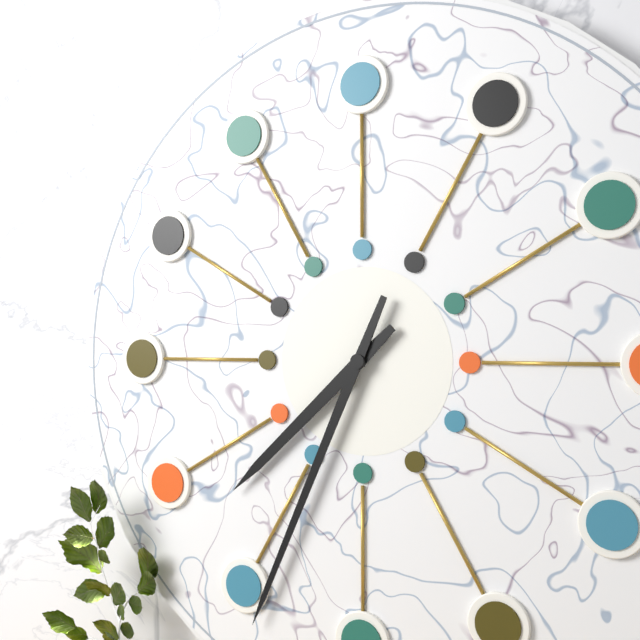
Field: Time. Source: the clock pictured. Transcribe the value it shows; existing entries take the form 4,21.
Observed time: 7,34
